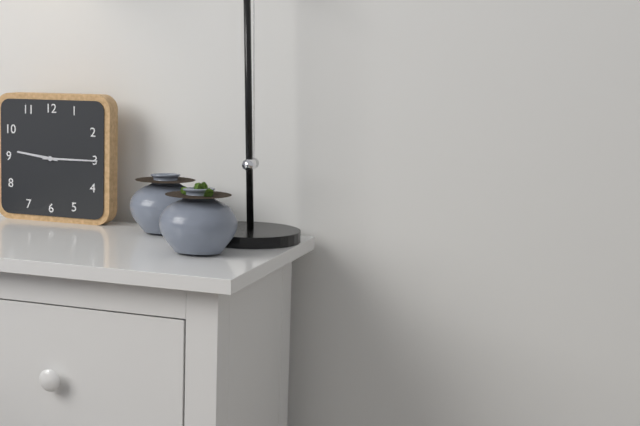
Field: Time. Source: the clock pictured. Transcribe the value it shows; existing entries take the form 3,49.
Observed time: 9,15
